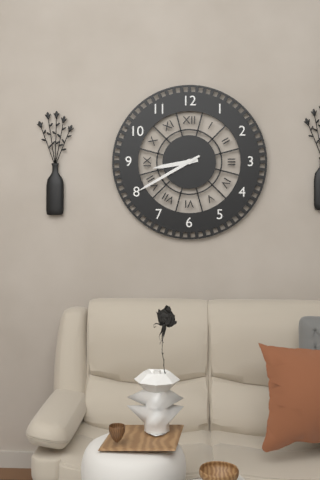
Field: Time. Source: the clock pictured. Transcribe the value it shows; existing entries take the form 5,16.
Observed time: 8,40
